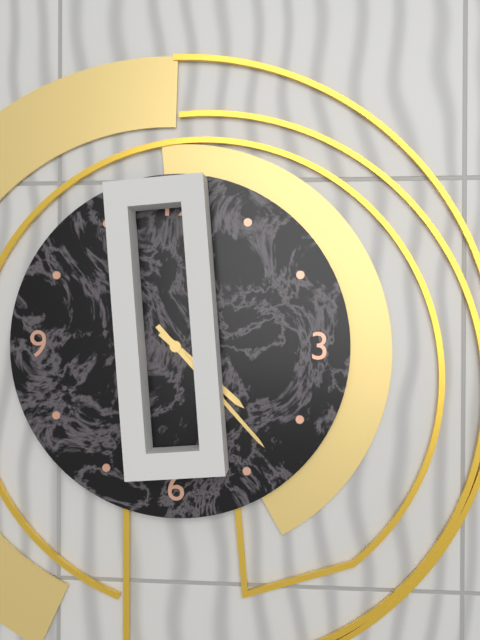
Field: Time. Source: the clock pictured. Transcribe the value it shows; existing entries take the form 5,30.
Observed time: 4,23
